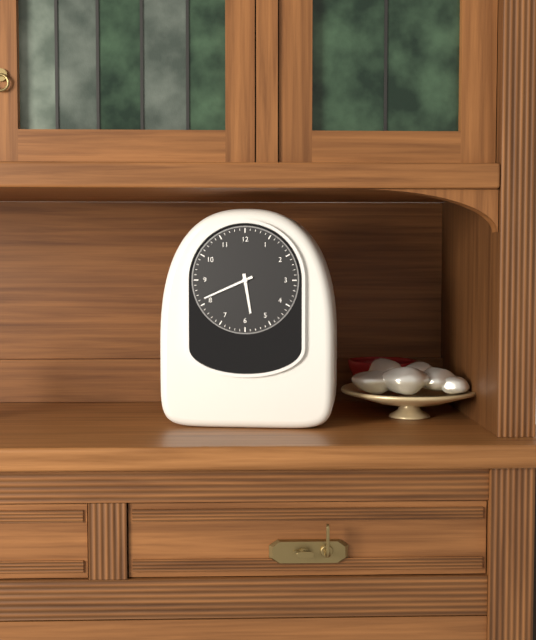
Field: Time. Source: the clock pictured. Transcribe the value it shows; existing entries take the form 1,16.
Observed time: 5,41
